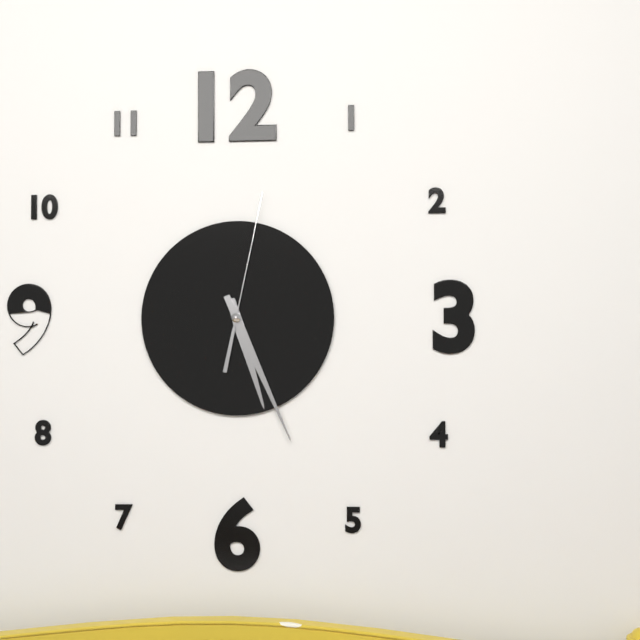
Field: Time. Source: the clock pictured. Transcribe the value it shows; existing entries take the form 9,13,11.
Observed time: 5,26,02
